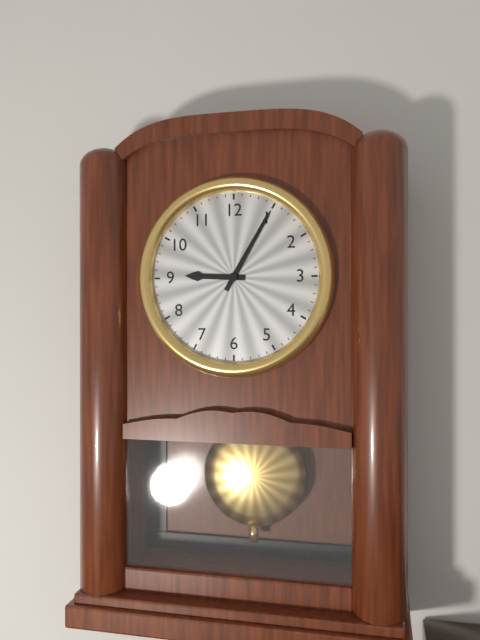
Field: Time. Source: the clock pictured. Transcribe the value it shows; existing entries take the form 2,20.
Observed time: 9,05
